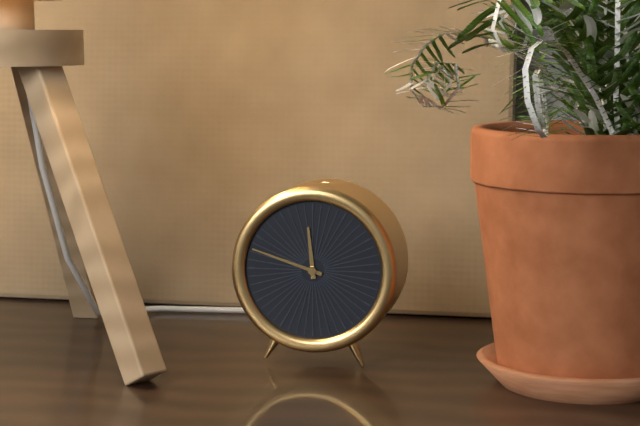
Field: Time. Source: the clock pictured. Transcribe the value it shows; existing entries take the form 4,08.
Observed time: 11,48
